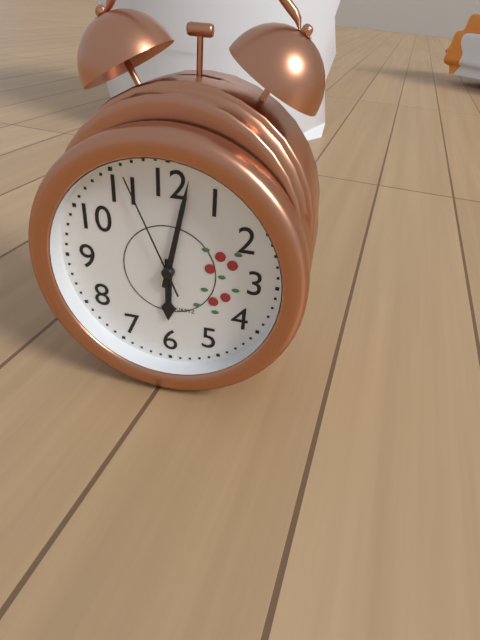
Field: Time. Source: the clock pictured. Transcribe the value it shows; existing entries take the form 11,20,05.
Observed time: 6,02,56
